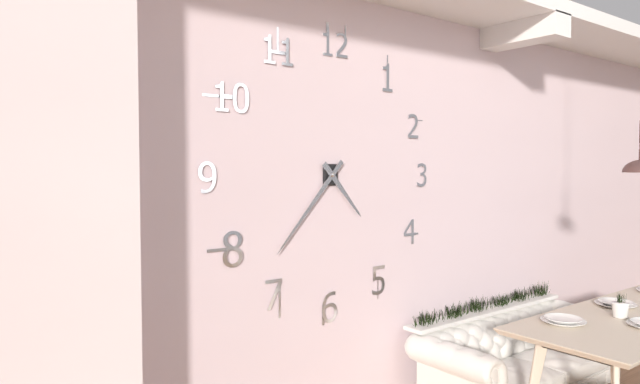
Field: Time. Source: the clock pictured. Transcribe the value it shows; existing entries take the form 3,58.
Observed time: 4,37
